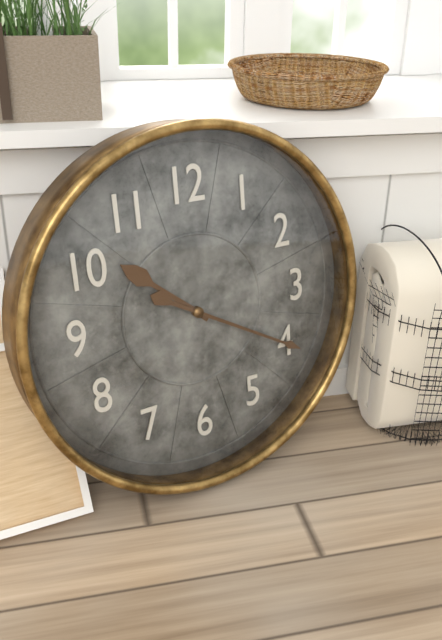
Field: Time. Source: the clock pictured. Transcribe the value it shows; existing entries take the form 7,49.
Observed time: 10,20
